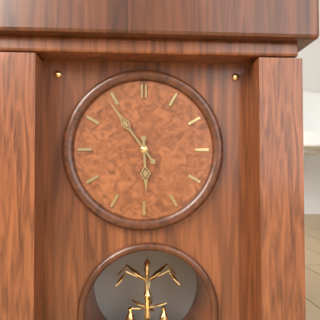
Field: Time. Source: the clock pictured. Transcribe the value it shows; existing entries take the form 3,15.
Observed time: 5,54
